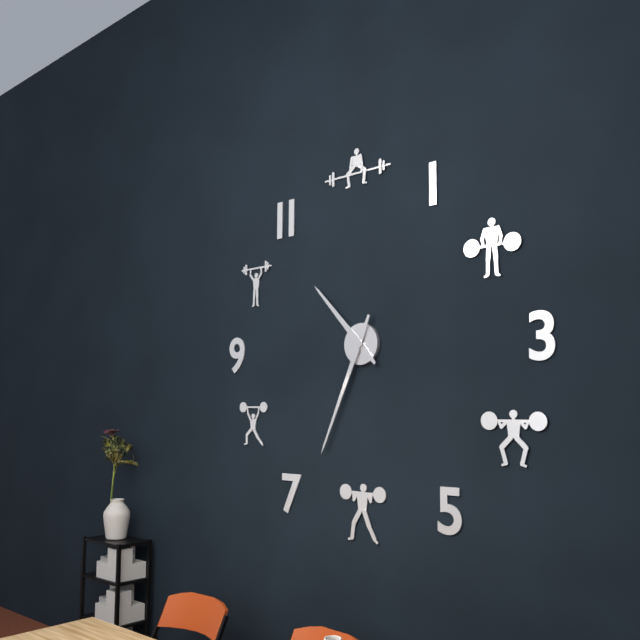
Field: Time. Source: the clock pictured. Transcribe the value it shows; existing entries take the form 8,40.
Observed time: 10,34
